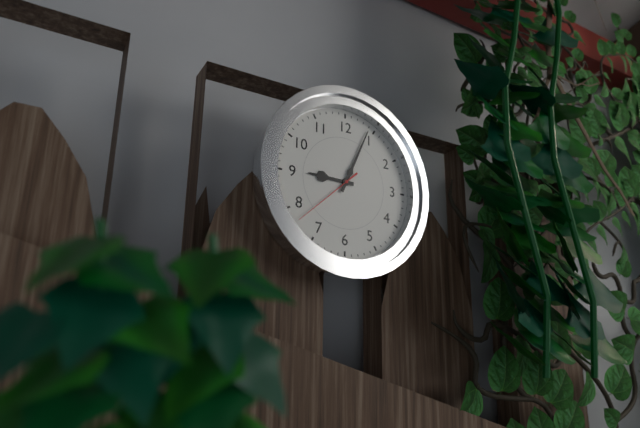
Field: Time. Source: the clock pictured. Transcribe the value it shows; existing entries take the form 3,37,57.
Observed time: 9,04,38
